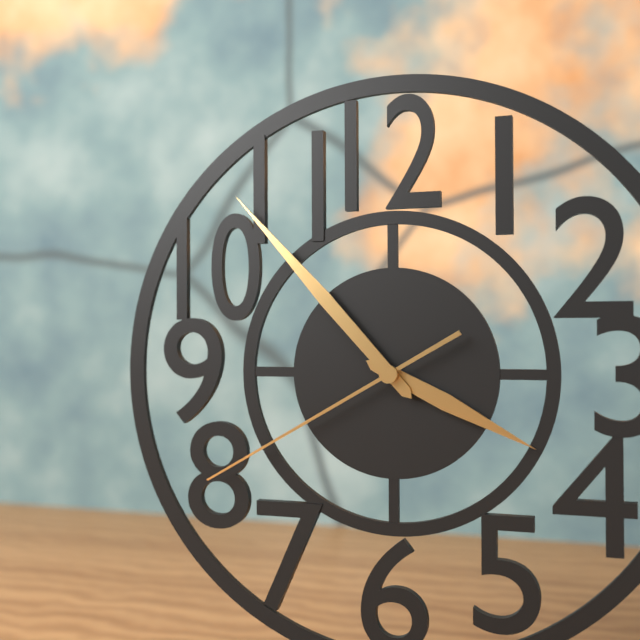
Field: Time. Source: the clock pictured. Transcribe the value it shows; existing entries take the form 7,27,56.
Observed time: 3,53,40
